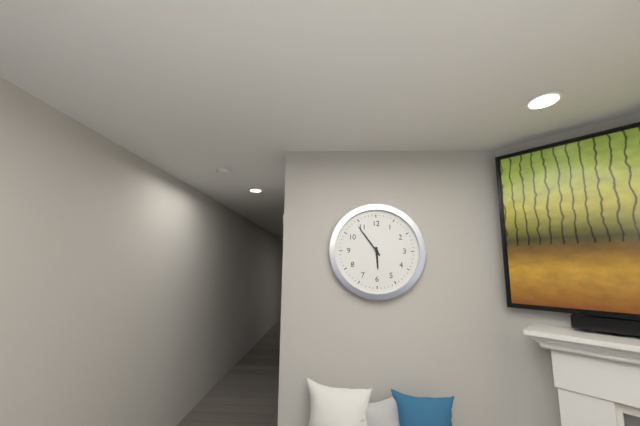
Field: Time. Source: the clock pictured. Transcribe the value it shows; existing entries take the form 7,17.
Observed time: 5,54
